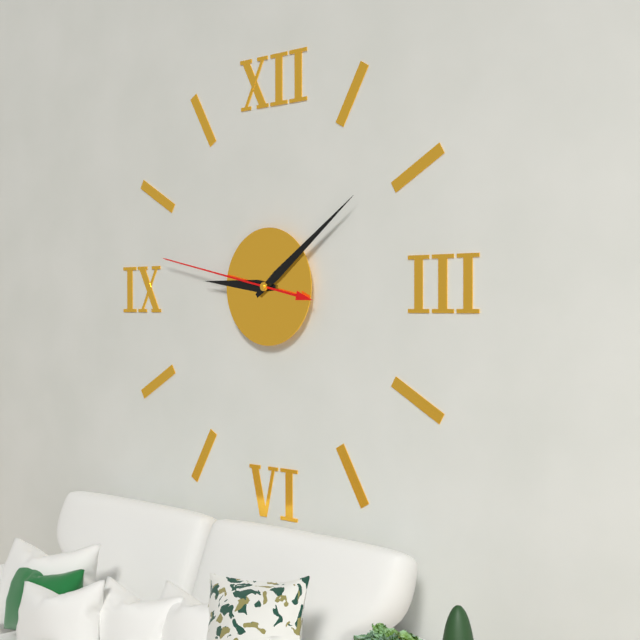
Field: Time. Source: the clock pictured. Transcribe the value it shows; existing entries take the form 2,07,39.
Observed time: 9,09,47
